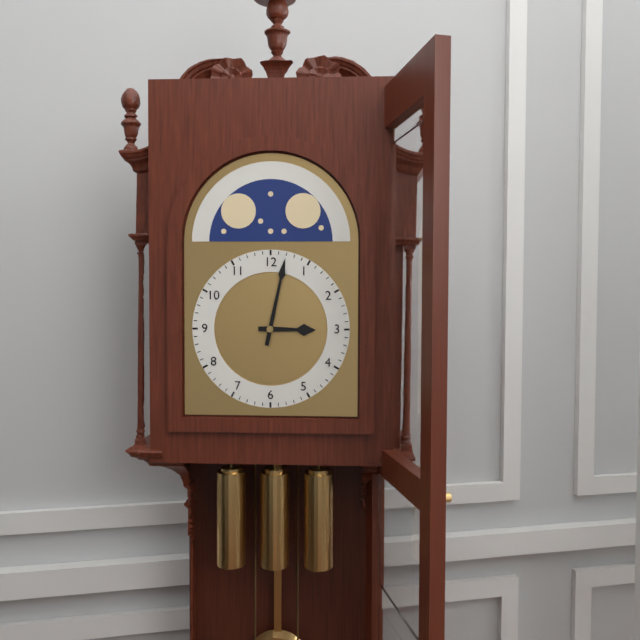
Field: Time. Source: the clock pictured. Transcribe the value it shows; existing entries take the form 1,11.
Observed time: 3,02
